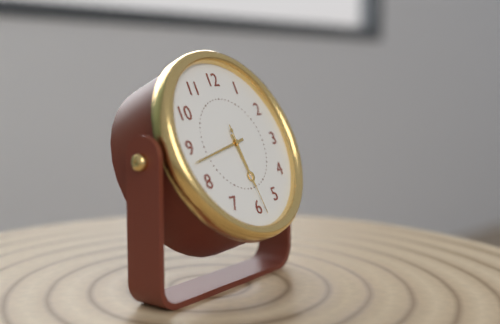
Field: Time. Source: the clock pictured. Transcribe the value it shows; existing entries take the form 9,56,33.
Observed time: 5,43,29
